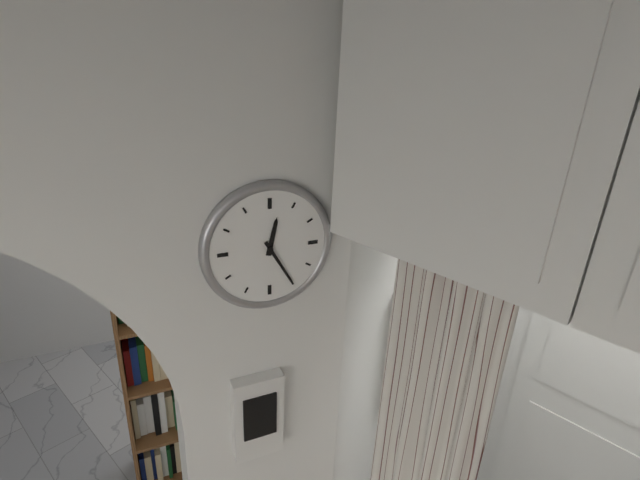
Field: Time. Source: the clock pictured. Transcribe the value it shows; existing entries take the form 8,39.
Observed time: 12,25
